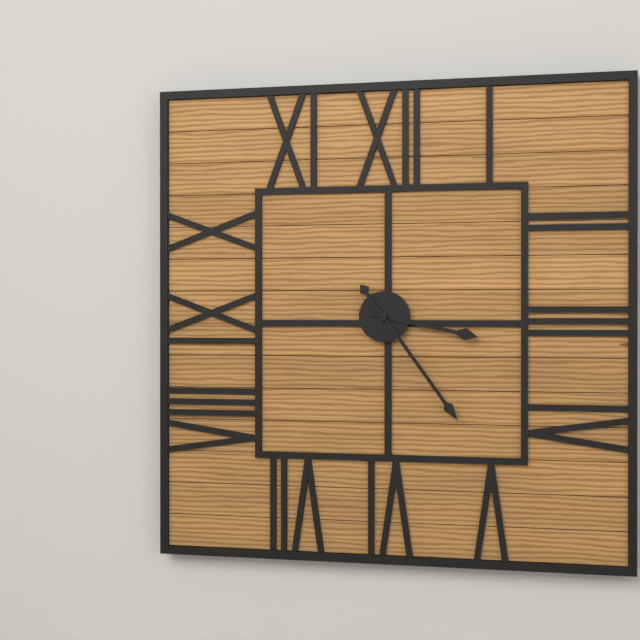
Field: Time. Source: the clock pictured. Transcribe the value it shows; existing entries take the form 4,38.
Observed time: 3,24
